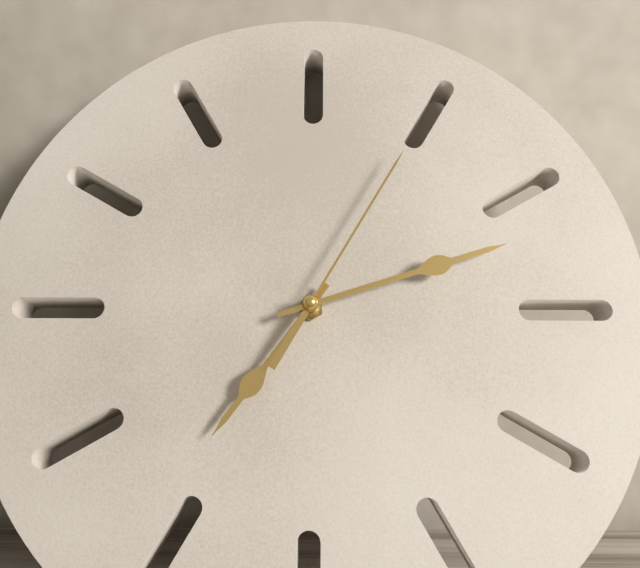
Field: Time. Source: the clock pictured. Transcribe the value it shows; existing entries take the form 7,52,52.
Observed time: 7,12,05
